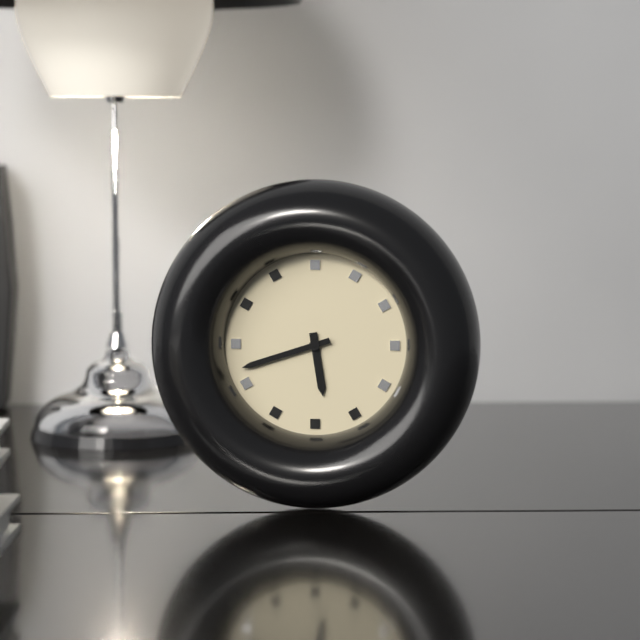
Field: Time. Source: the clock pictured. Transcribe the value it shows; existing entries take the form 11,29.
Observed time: 5,42
